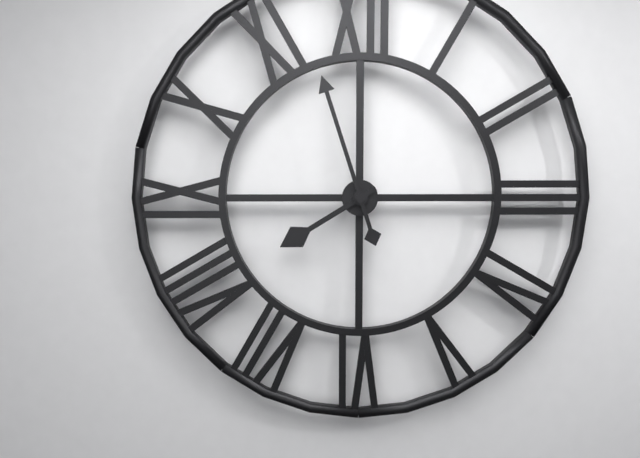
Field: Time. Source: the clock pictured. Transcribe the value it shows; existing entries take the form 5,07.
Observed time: 7,57
